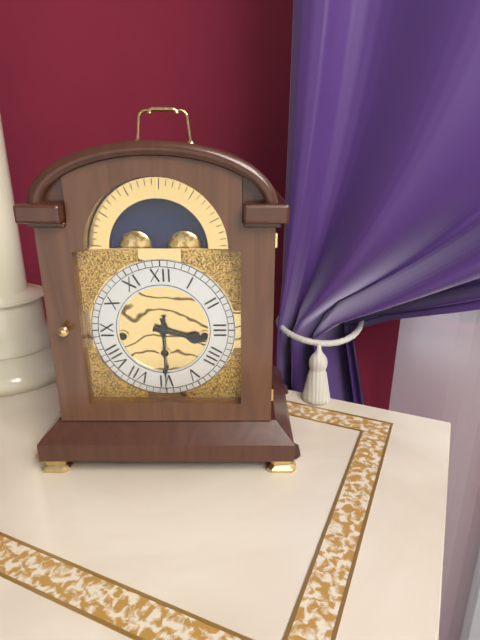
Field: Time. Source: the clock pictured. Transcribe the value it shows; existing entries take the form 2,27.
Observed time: 3,30
